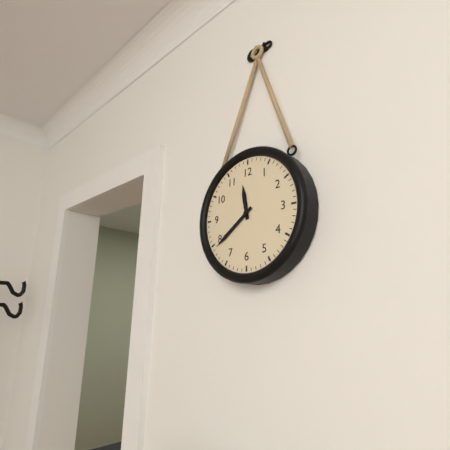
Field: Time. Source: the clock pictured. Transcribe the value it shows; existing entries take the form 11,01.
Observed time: 11,39
